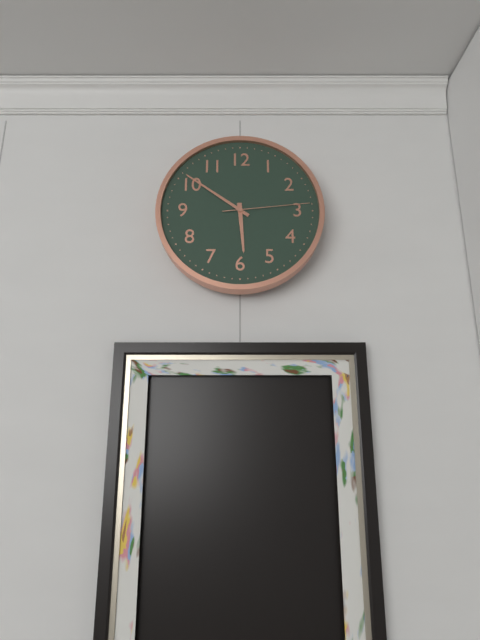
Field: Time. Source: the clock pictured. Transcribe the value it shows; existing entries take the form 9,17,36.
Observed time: 5,51,14
